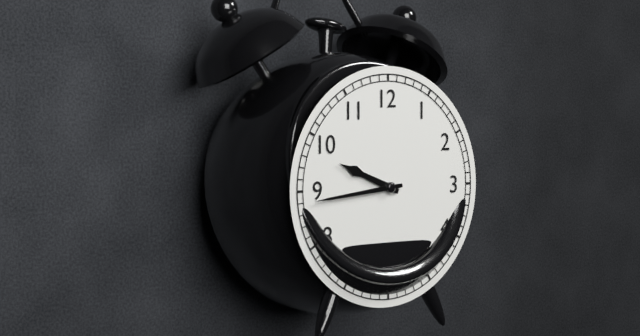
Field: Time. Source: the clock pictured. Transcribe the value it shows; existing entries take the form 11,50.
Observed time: 9,44
